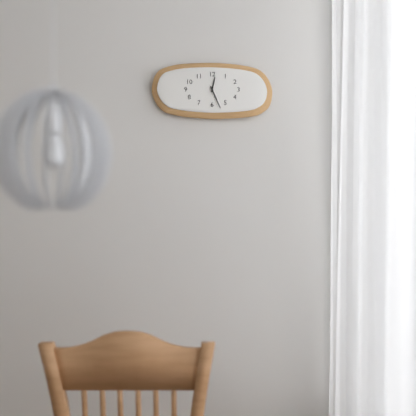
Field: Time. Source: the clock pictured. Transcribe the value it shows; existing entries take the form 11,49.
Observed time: 12,26
